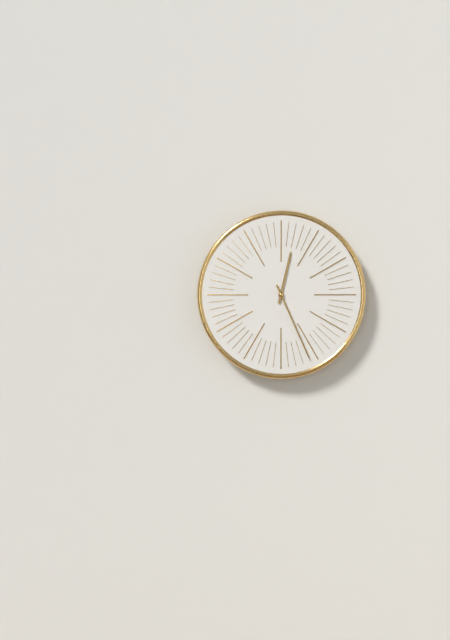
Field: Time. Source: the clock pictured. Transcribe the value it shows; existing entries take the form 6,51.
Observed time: 12,26
